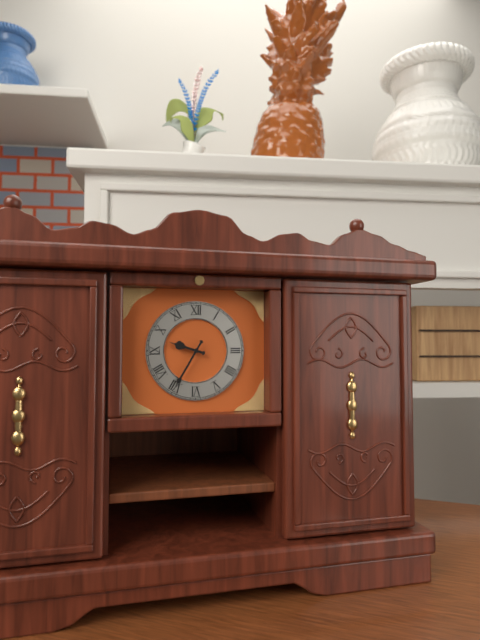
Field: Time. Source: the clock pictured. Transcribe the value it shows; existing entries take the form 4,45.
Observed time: 9,35
